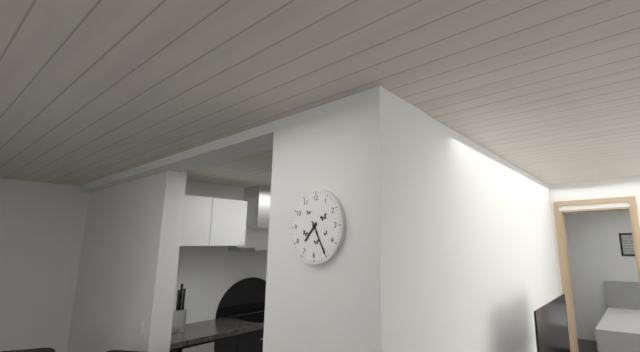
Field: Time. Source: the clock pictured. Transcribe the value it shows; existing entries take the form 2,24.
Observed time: 7,25
